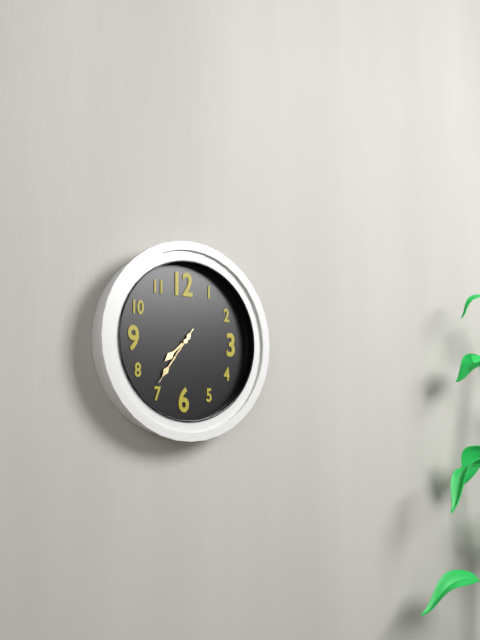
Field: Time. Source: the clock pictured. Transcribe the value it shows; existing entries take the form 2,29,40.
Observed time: 7,36,36
